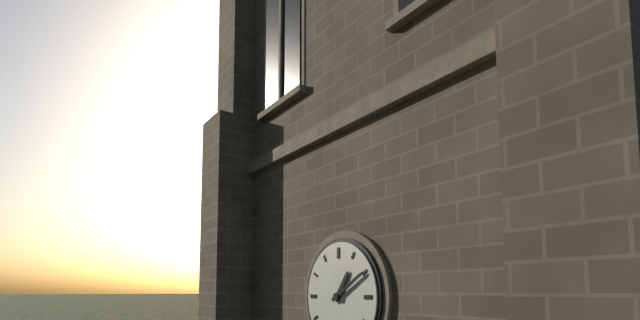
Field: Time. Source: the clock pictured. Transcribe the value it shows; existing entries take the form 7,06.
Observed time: 1,10
